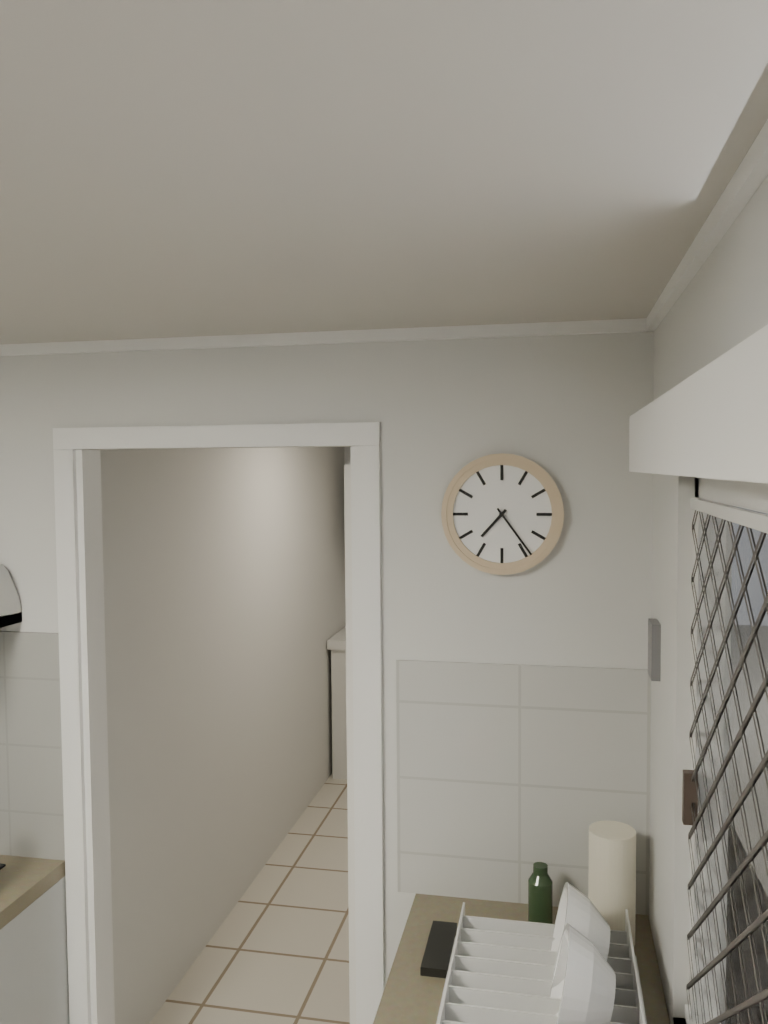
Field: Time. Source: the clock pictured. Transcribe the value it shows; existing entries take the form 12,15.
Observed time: 7,24
